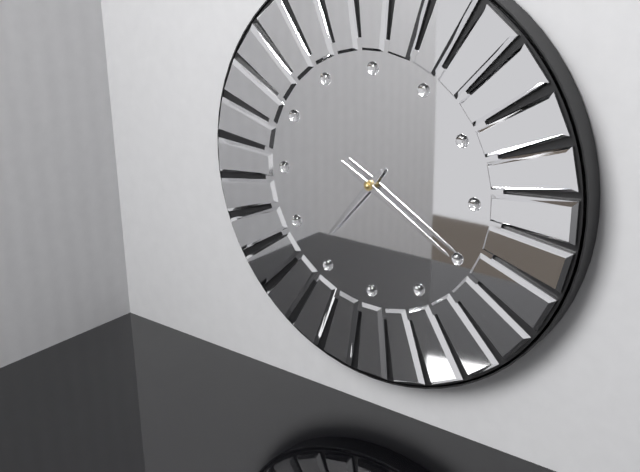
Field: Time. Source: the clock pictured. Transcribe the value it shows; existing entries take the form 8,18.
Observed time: 7,20
